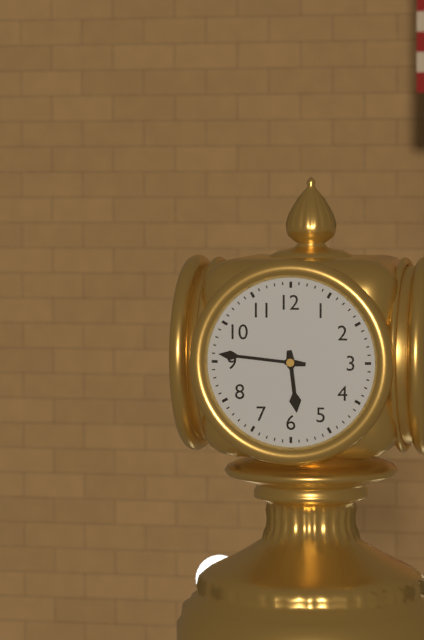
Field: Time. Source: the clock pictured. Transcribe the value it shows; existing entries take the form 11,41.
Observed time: 5,46
